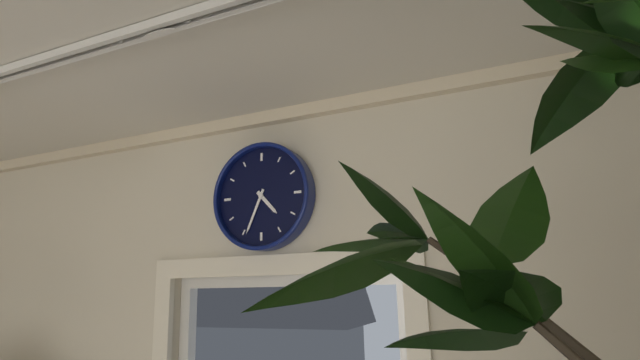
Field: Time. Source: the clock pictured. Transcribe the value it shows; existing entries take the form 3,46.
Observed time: 4,34
